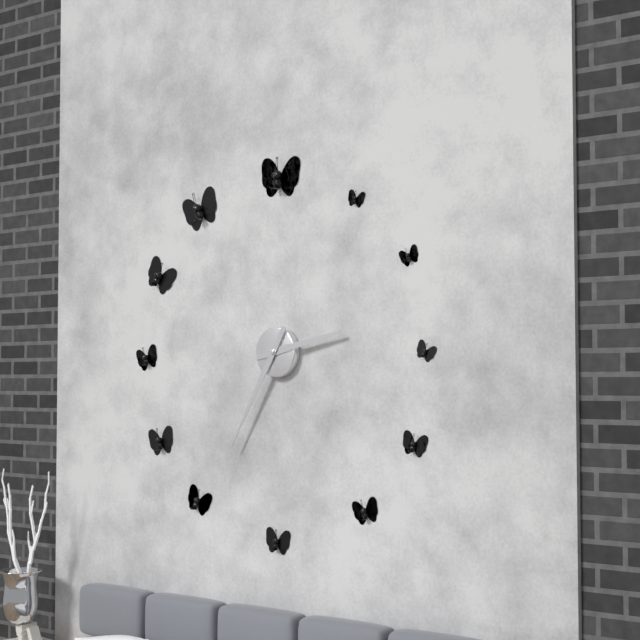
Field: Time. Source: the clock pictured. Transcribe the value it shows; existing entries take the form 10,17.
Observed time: 2,35
